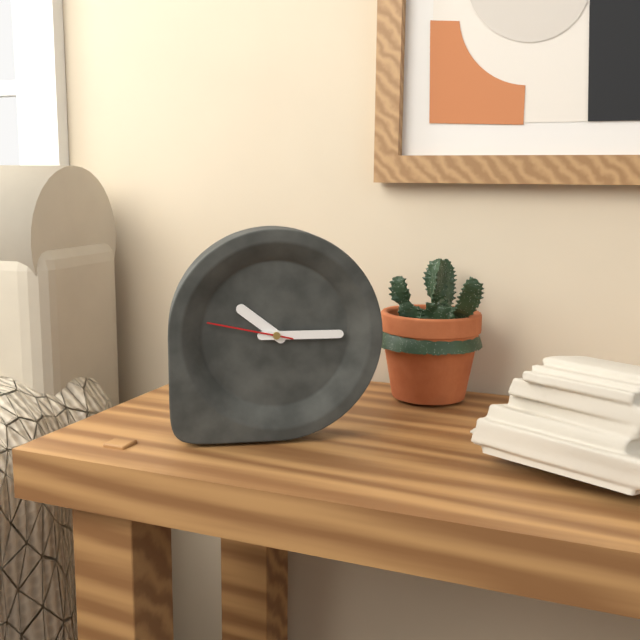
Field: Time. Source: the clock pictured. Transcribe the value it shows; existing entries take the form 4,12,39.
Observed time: 10,15,47
